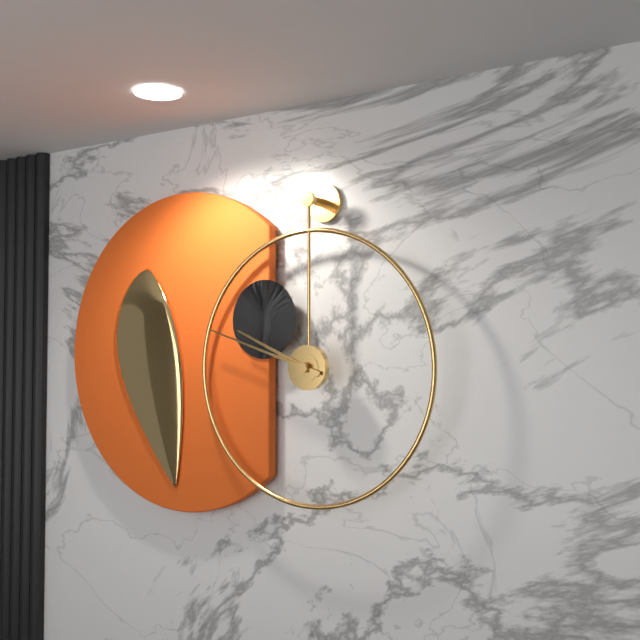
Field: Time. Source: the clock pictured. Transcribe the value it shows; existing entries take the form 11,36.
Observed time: 9,48
